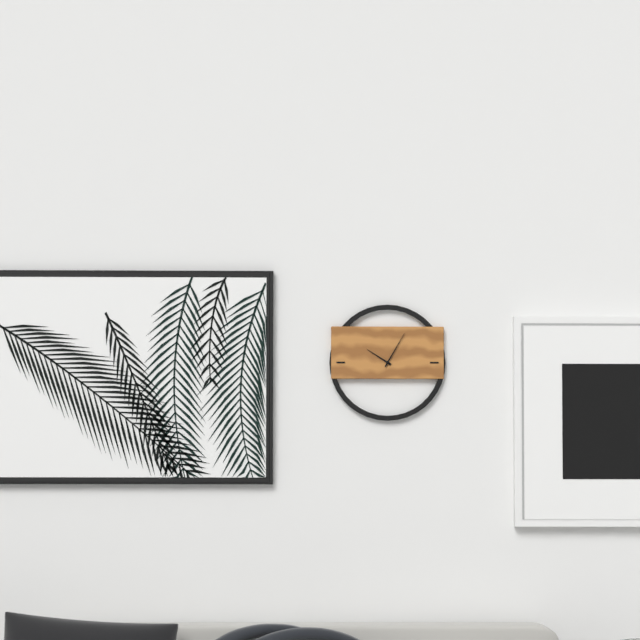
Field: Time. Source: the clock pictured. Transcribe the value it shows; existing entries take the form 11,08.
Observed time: 10,05
